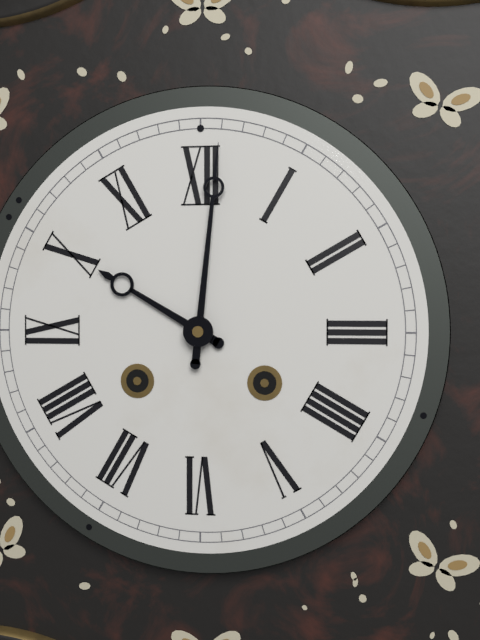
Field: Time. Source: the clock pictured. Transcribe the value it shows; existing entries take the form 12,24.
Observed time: 10,01
